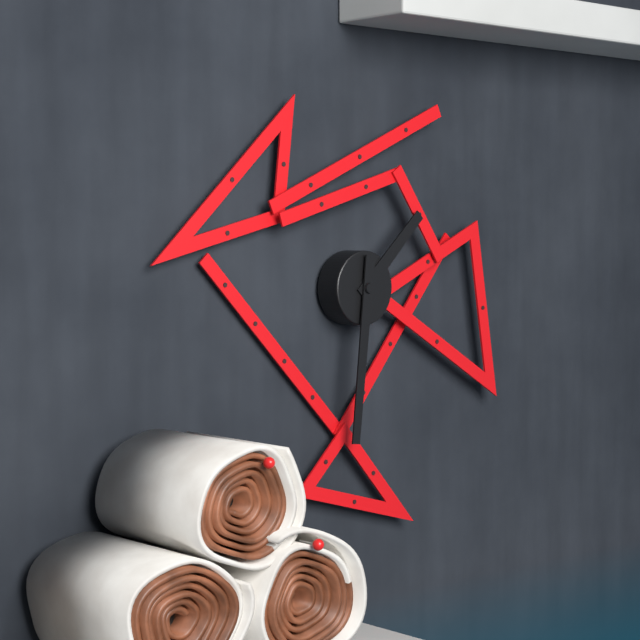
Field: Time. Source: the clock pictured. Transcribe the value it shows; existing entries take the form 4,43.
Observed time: 1,31
